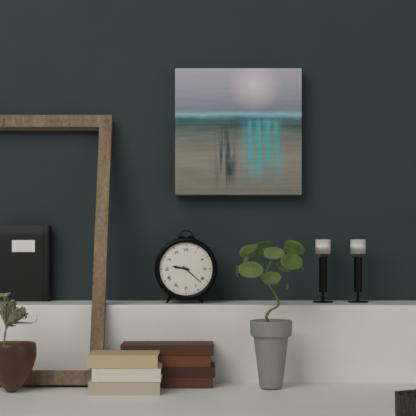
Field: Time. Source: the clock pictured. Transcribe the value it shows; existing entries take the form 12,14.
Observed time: 9,22
